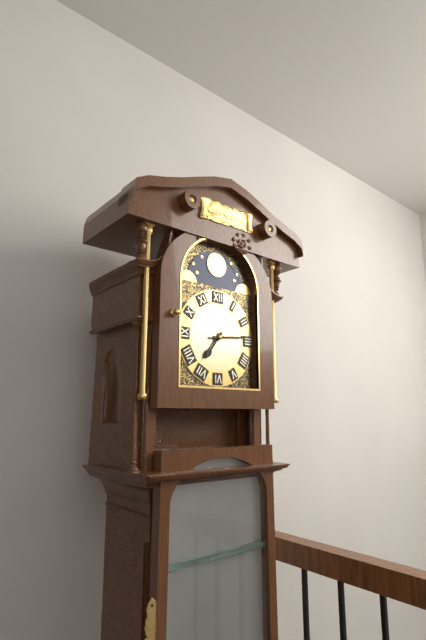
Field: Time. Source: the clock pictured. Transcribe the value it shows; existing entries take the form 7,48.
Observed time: 7,14
